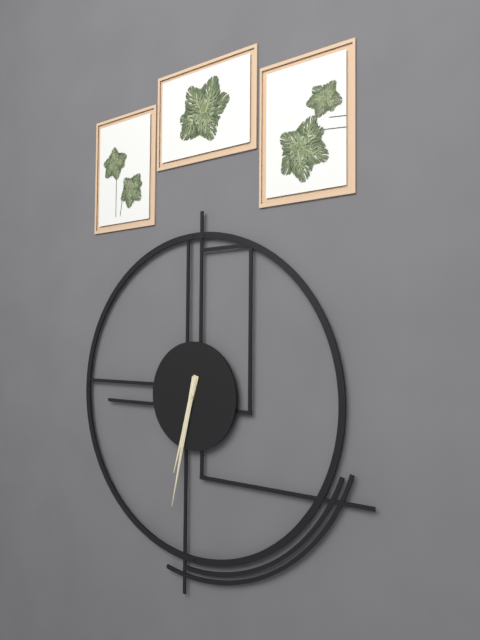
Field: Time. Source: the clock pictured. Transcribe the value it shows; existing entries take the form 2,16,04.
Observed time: 6,32,32
